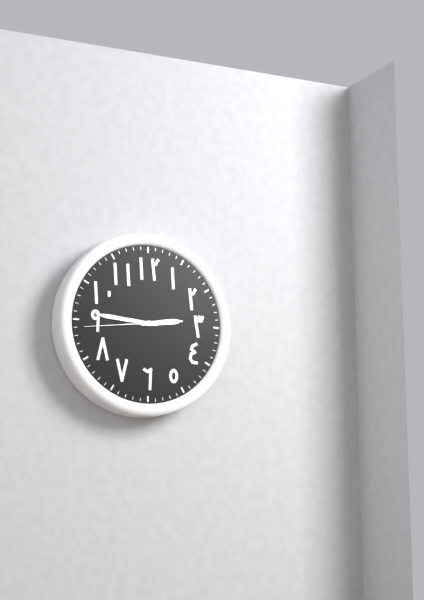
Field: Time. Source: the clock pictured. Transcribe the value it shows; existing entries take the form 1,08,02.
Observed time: 2,46,44
